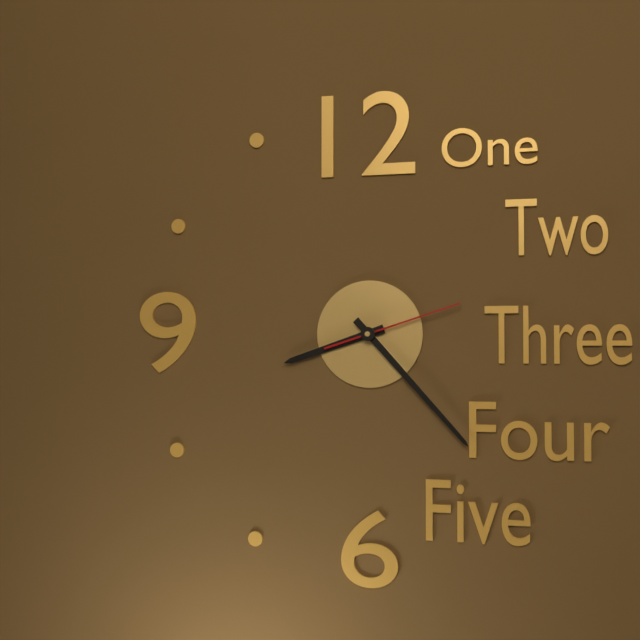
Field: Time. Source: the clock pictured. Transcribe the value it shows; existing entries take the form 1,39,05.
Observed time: 8,23,12
